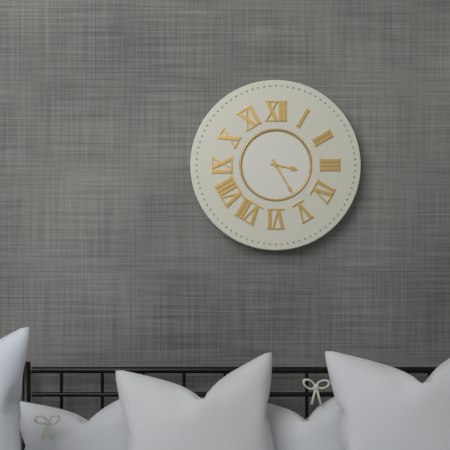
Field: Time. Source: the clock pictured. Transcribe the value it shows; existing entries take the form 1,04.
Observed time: 3,25
